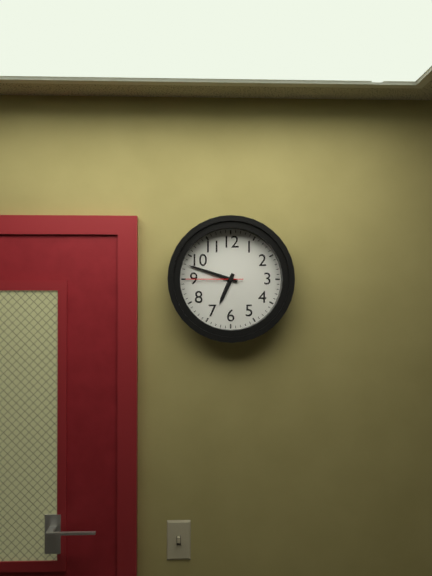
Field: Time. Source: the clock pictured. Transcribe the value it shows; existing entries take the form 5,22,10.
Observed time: 6,48,45
